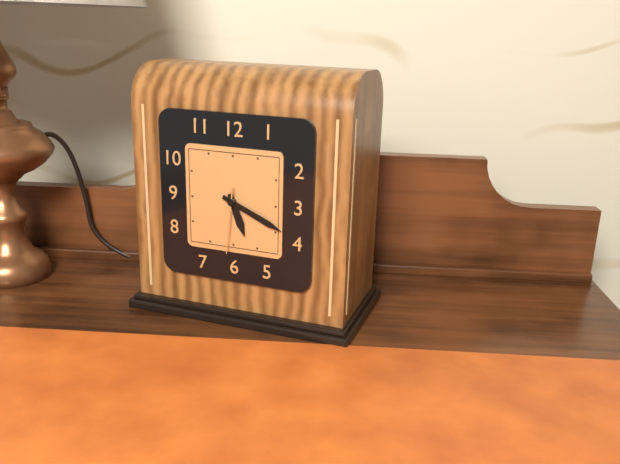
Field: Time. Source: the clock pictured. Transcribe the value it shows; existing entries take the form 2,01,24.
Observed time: 5,19,31
